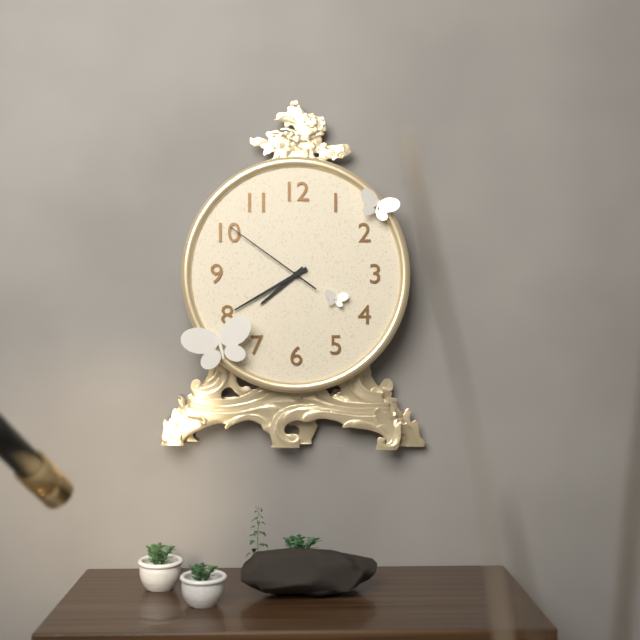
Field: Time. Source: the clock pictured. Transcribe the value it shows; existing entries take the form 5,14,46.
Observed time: 7,40,51
